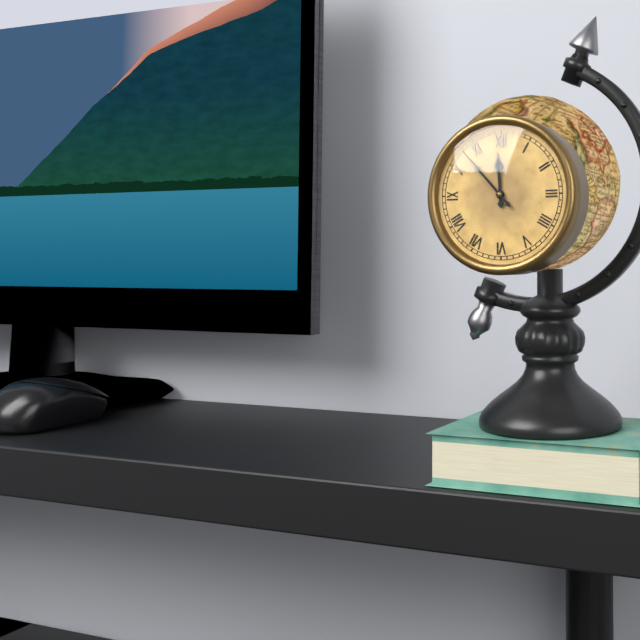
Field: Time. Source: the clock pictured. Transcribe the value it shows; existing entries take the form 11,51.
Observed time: 11,53
